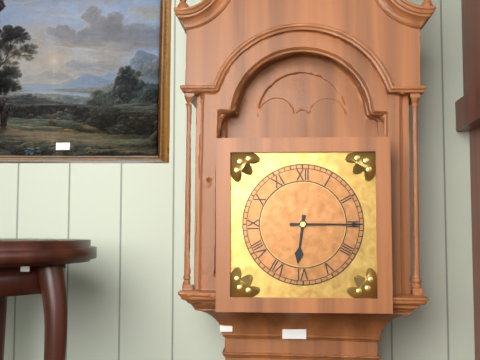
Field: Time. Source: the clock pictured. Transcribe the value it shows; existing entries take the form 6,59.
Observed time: 6,15
